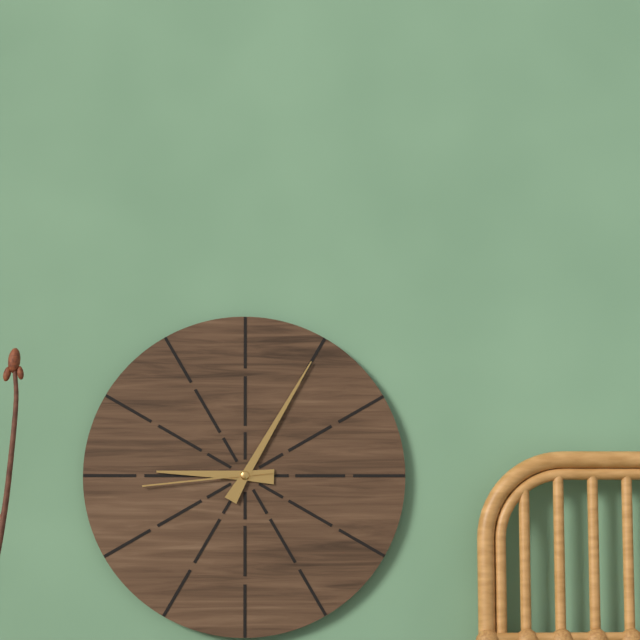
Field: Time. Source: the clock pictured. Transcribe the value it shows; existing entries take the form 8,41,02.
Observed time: 9,05,44
